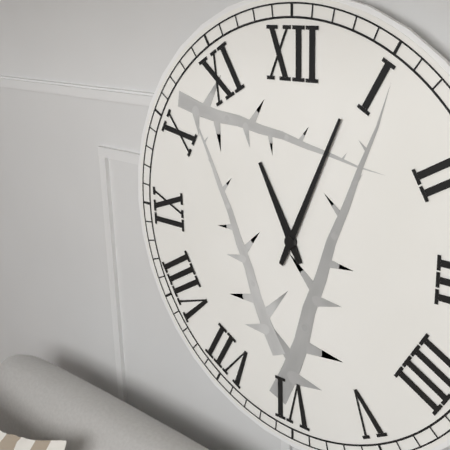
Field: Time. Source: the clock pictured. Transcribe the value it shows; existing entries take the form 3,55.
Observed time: 11,04
